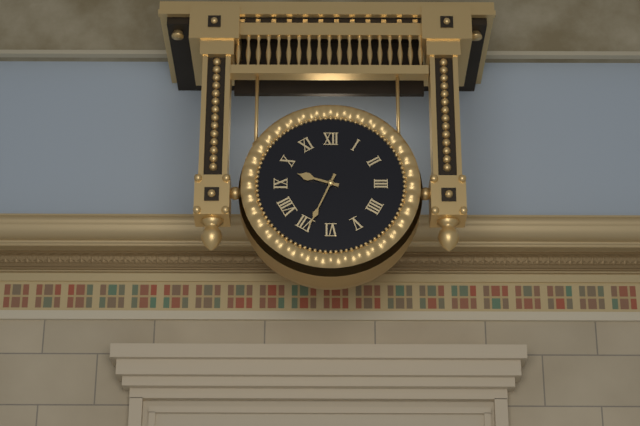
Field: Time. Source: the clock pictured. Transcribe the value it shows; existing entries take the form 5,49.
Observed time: 9,34
